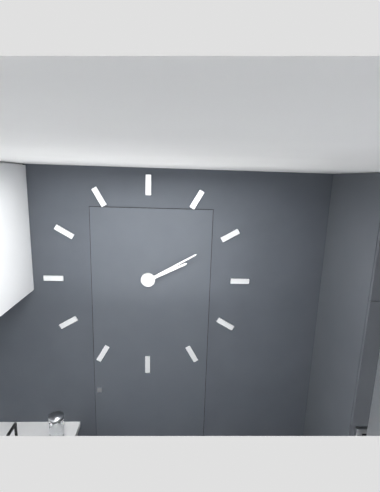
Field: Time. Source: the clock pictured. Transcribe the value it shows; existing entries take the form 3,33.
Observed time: 2,10
